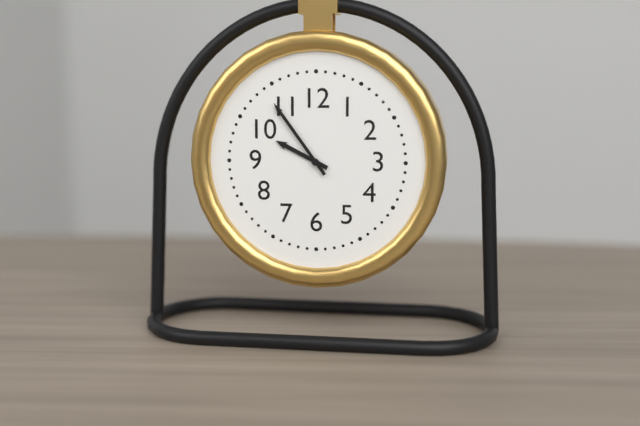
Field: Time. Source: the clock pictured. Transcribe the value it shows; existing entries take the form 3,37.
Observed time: 9,54
